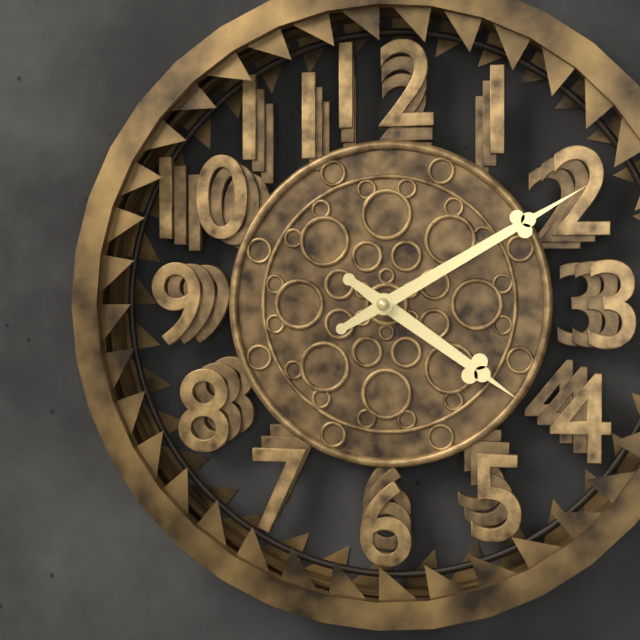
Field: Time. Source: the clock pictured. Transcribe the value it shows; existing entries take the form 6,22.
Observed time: 4,10
